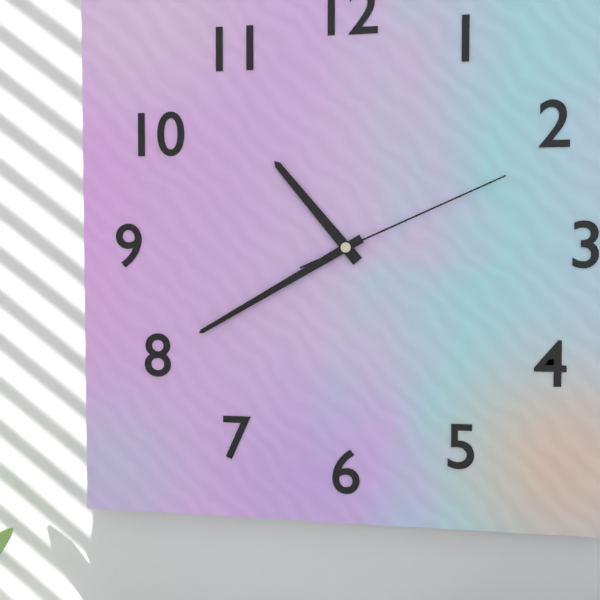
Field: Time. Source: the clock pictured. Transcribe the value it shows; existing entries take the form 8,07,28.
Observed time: 10,40,11
